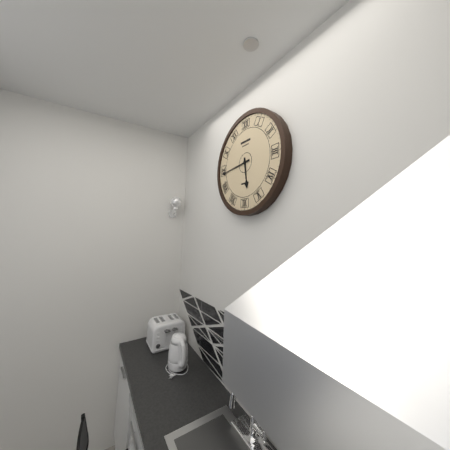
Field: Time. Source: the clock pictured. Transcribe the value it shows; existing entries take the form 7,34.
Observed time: 5,44
